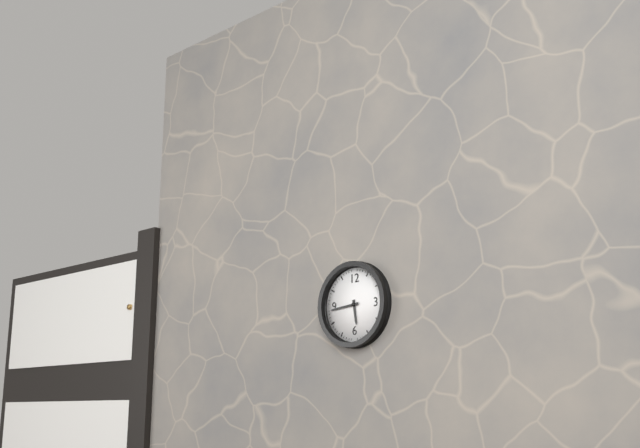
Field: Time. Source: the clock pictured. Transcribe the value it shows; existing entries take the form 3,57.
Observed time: 5,44
